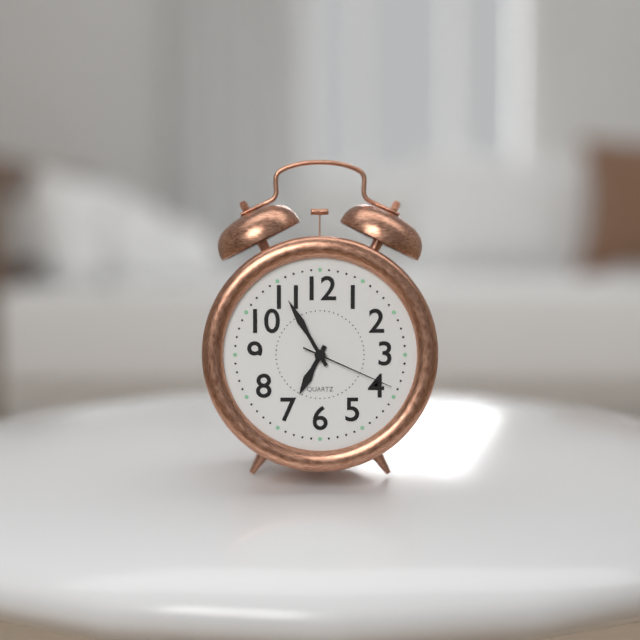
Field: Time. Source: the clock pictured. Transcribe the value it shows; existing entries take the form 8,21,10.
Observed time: 6,55,19
